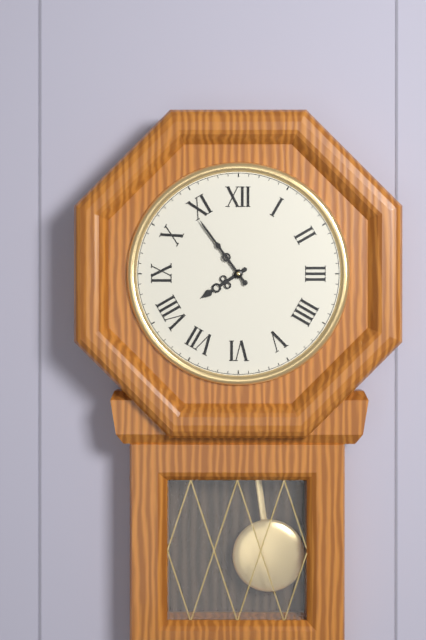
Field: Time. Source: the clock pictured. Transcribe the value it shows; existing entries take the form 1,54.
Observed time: 7,54
